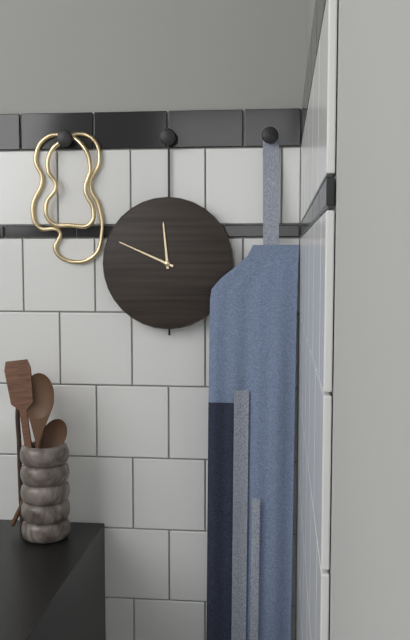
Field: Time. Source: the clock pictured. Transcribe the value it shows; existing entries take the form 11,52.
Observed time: 11,49
